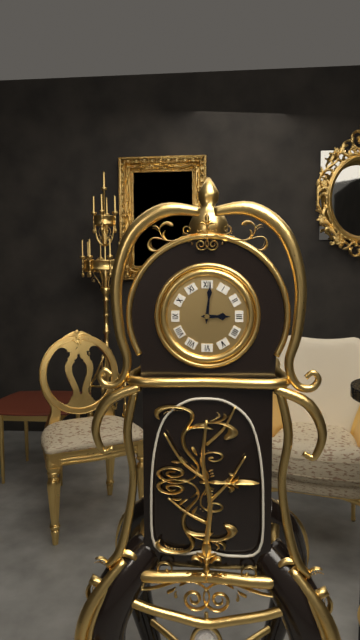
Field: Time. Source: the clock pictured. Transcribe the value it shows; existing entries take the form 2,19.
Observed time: 3,01
